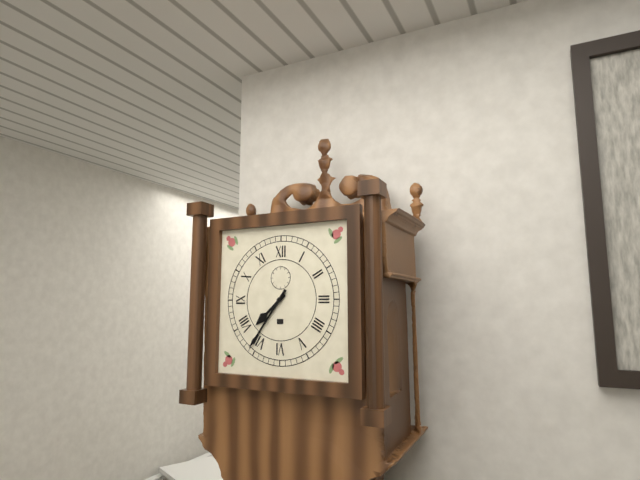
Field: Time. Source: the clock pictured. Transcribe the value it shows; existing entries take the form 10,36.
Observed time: 7,36
